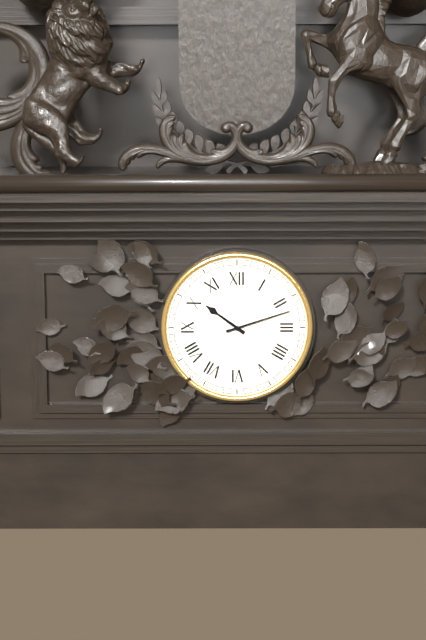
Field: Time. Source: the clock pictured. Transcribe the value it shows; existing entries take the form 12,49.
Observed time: 10,12
